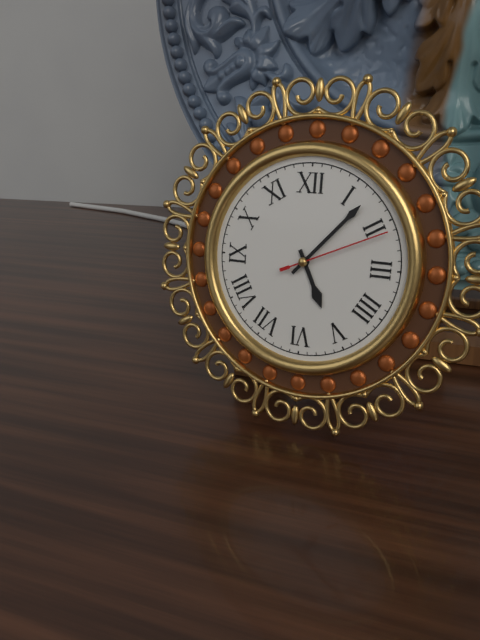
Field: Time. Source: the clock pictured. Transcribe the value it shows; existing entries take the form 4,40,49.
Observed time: 5,07,11
